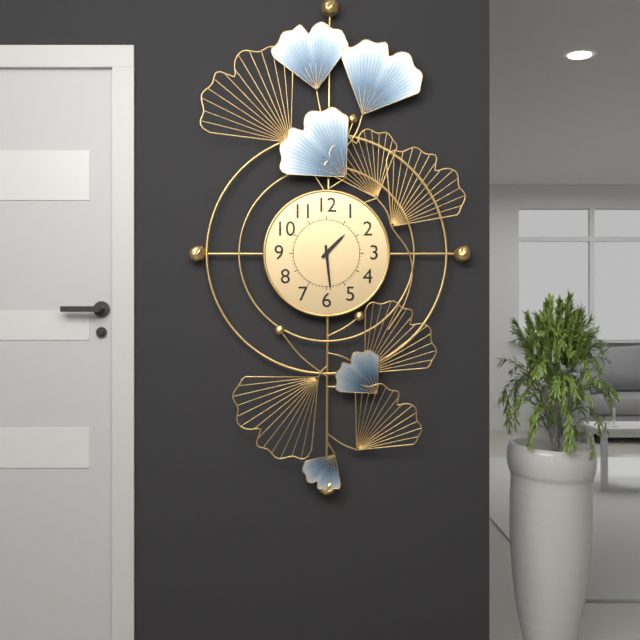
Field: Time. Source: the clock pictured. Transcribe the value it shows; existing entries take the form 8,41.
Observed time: 1,29
